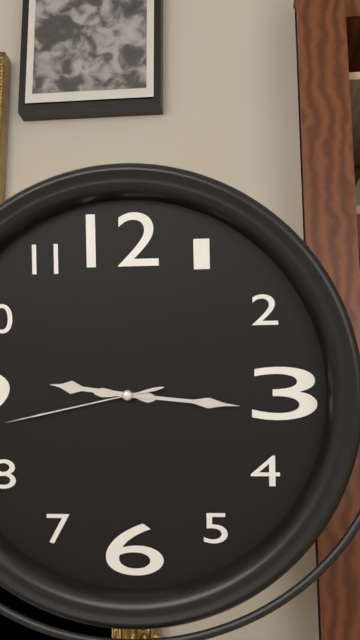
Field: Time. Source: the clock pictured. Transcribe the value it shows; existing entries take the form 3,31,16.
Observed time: 9,16,43
